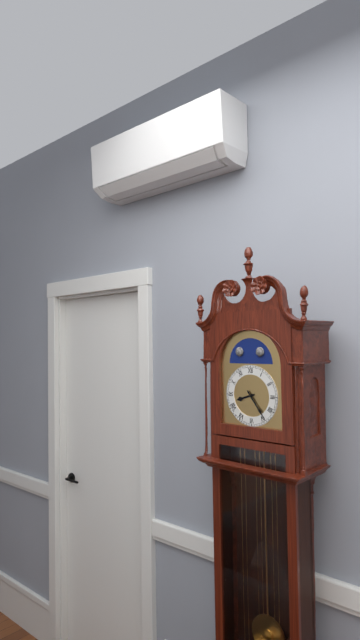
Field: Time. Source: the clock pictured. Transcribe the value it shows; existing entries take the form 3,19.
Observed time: 8,24
